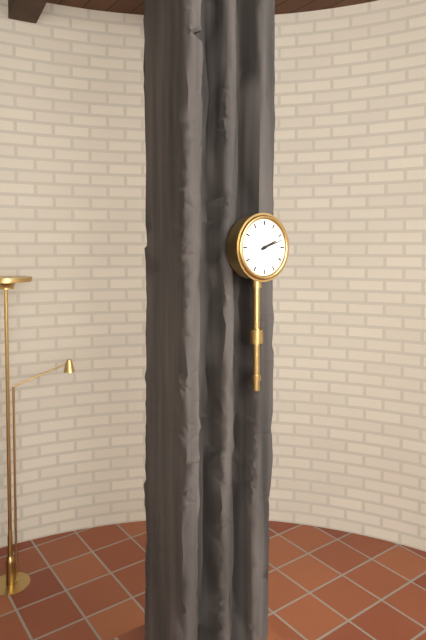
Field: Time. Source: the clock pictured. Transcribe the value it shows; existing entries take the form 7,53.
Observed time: 2,12
